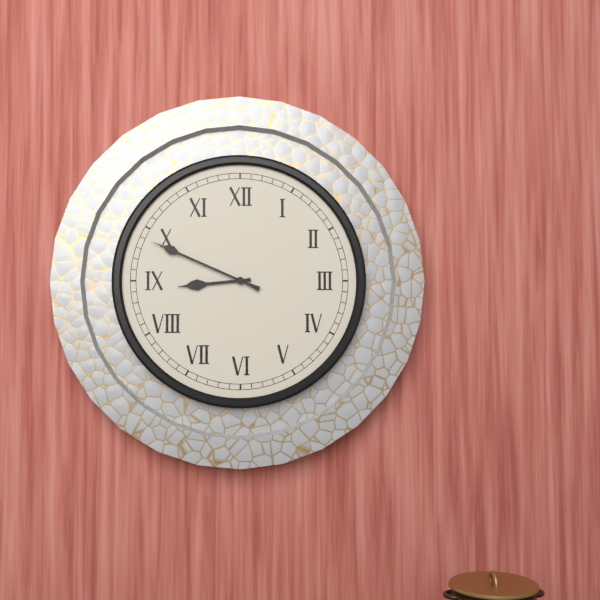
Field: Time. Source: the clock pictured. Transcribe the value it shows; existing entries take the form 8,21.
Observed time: 8,49
